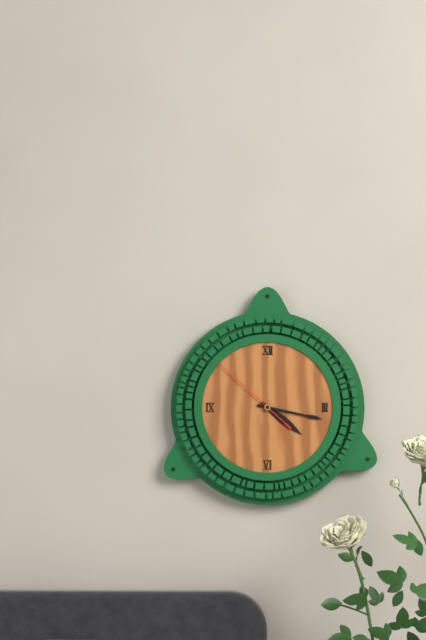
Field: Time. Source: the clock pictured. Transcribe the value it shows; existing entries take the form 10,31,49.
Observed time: 4,17,52
